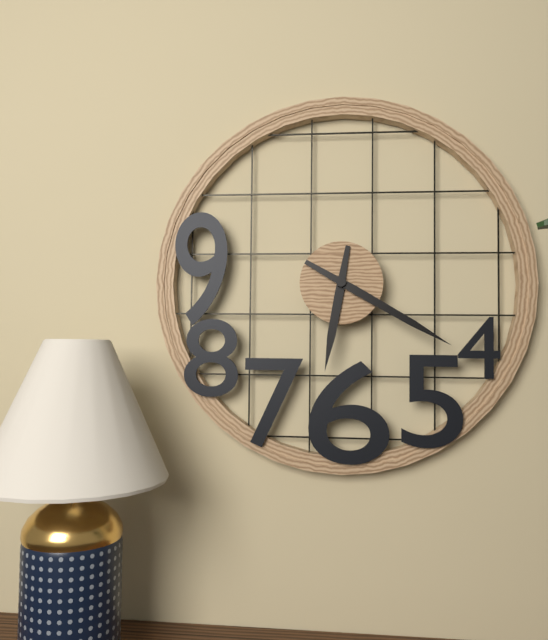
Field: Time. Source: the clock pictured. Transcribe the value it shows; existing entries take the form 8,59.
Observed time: 6,20
